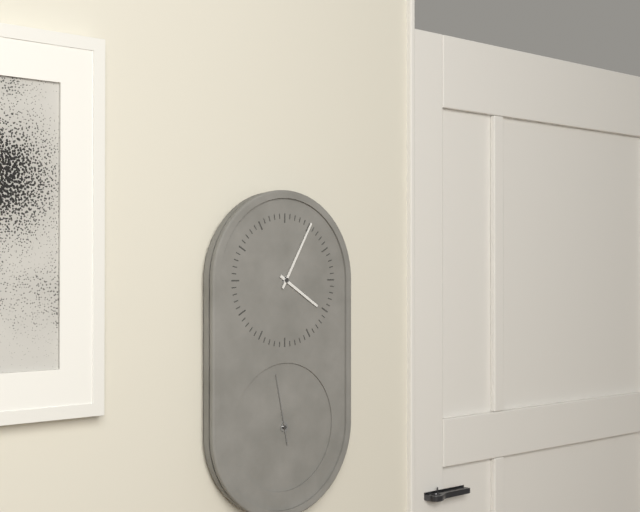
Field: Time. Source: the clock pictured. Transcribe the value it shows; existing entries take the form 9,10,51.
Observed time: 4,05,58
